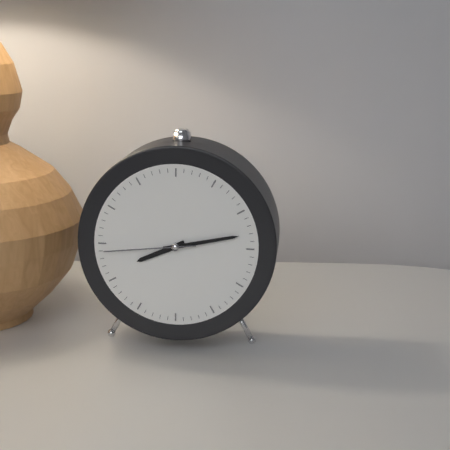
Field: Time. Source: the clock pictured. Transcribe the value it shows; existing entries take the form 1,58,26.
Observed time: 8,13,44
